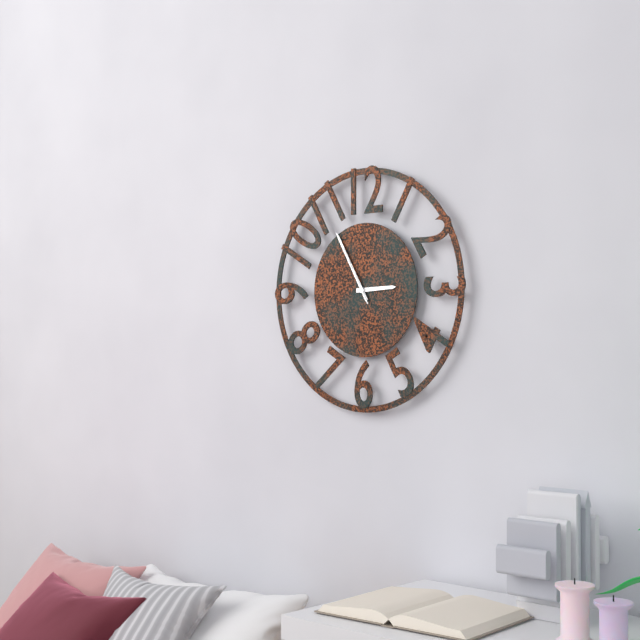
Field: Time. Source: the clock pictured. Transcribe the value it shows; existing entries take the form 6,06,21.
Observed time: 2,55,55
